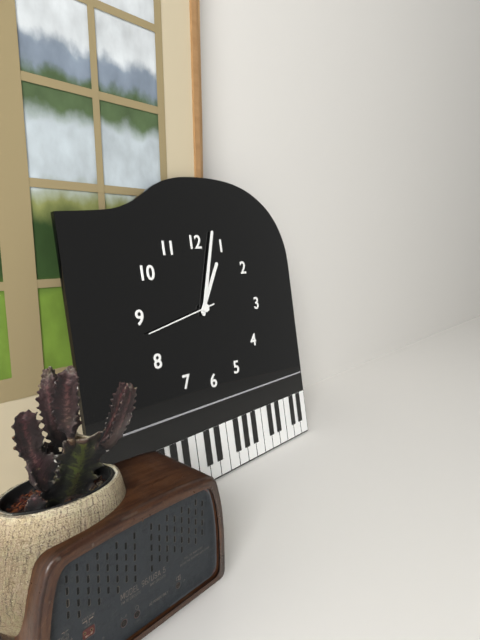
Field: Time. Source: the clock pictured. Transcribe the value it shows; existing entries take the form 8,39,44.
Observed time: 1,03,43
